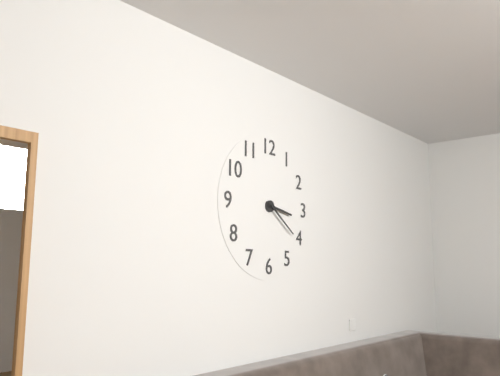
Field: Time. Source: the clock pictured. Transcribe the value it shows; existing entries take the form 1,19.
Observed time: 3,21
